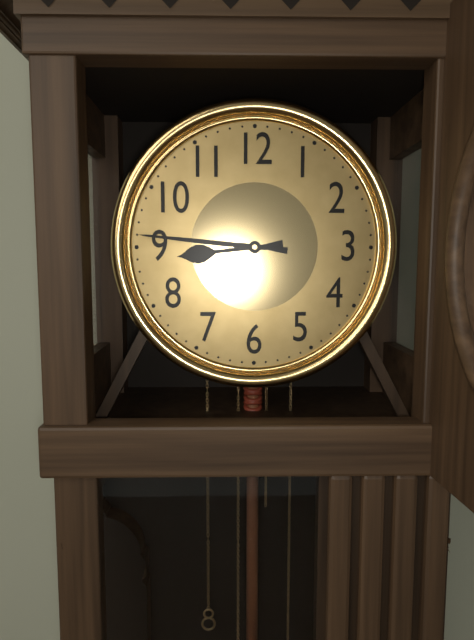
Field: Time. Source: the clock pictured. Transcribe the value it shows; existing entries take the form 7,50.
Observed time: 8,46
